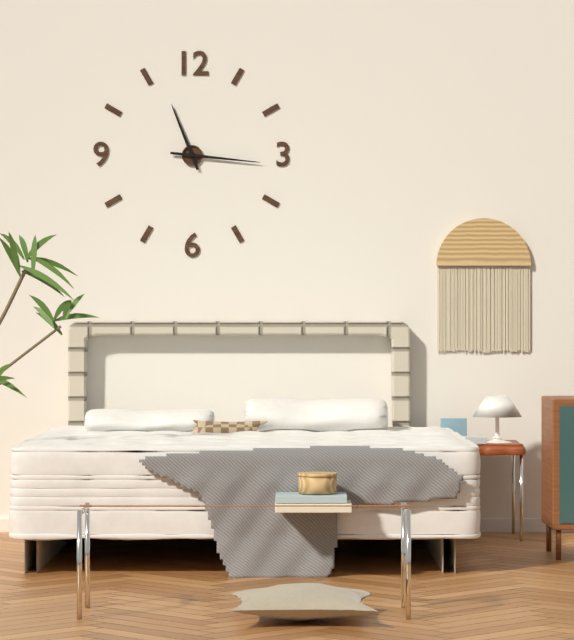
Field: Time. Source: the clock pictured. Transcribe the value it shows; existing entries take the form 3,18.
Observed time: 11,16
